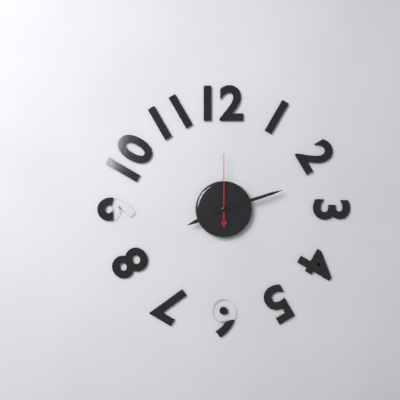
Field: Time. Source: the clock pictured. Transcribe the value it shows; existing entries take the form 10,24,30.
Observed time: 8,12,00
